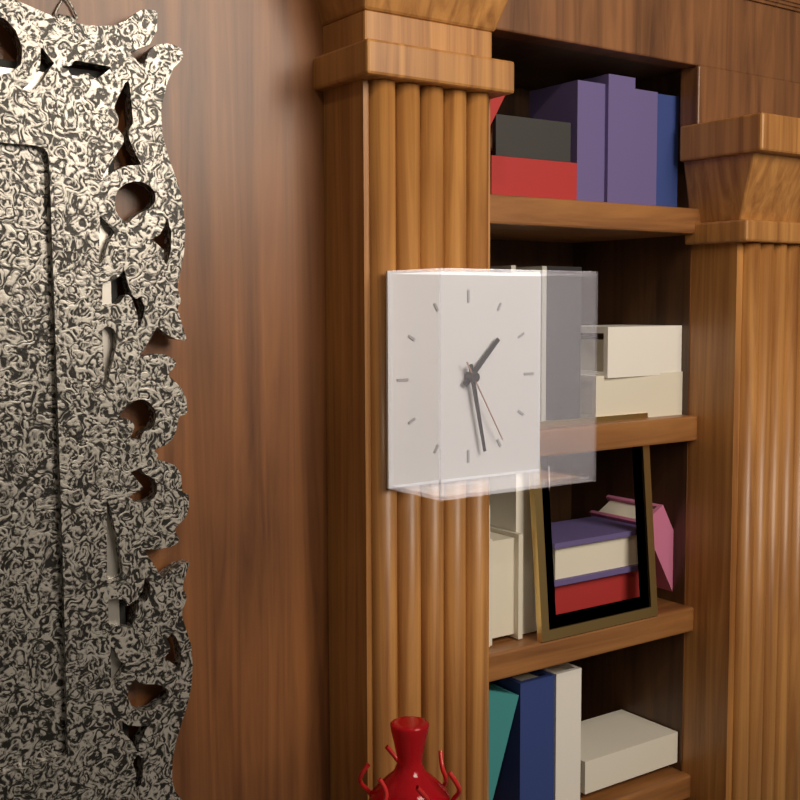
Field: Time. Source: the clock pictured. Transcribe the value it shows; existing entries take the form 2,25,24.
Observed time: 1,28,25
